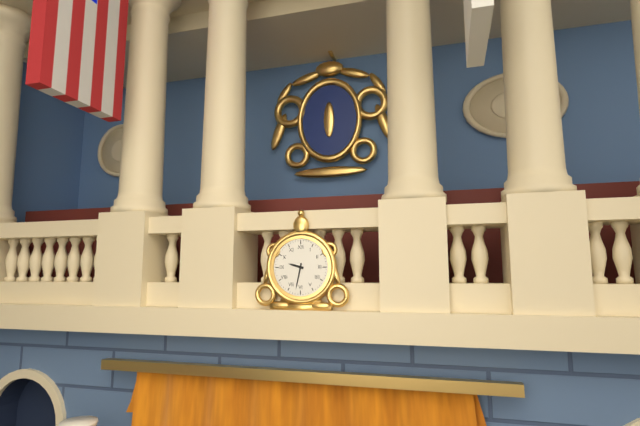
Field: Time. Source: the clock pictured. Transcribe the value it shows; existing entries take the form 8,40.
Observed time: 9,32
